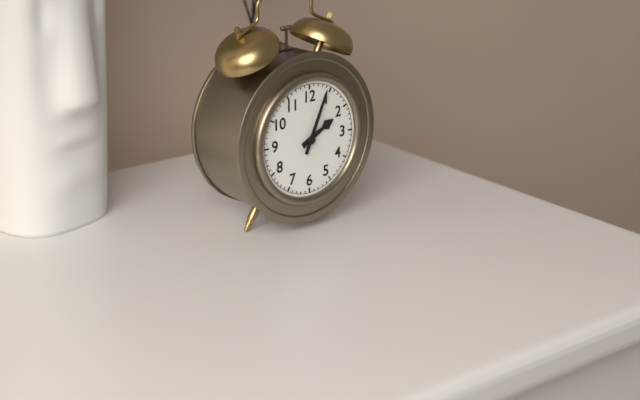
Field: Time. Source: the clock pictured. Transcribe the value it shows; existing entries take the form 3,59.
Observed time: 2,04
